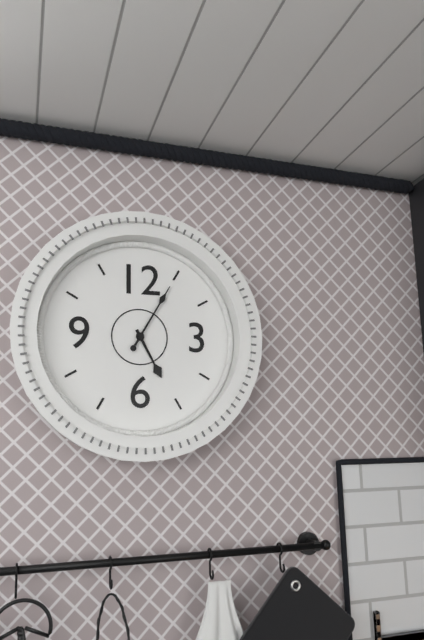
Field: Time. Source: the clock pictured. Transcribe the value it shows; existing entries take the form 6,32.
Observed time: 5,05
